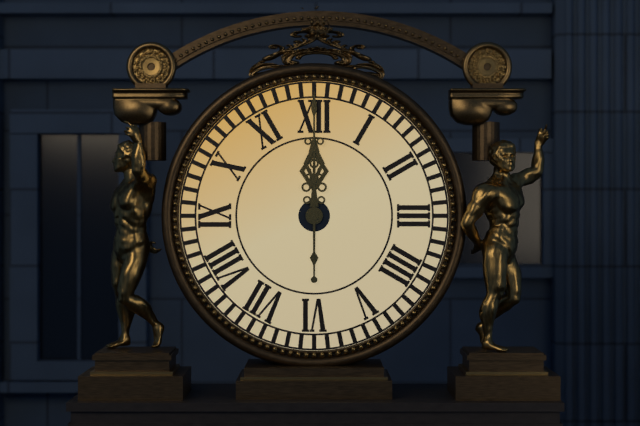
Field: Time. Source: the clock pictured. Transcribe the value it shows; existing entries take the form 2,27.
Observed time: 12,00
